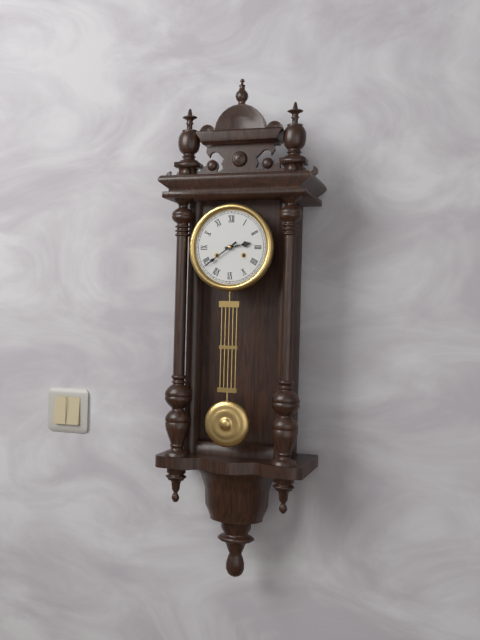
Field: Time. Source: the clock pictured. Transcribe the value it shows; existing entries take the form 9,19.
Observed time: 2,39
